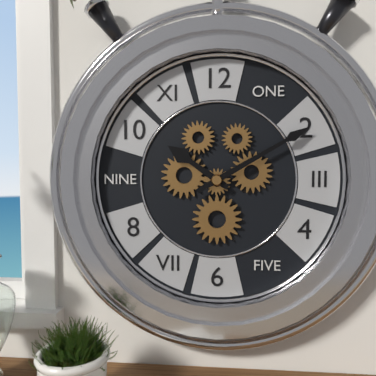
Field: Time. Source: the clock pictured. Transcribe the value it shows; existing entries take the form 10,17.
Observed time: 10,10
